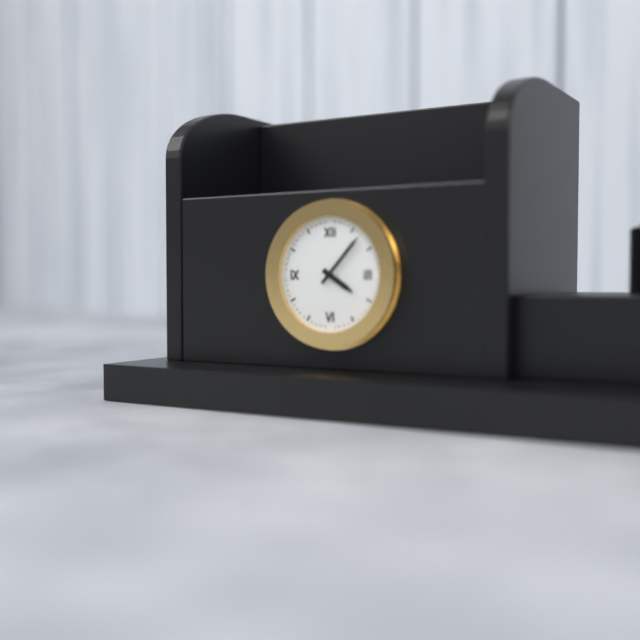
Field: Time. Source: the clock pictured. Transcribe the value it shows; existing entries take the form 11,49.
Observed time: 4,07
